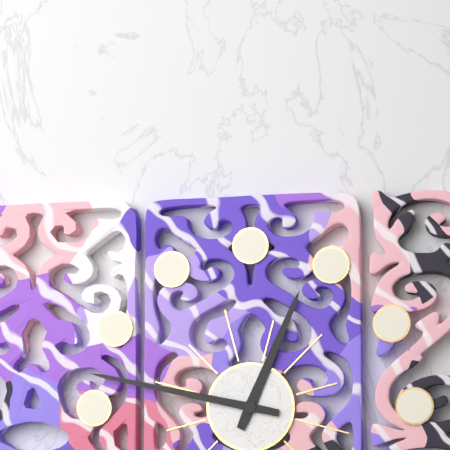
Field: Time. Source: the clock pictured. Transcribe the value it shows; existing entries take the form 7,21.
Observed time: 12,47
